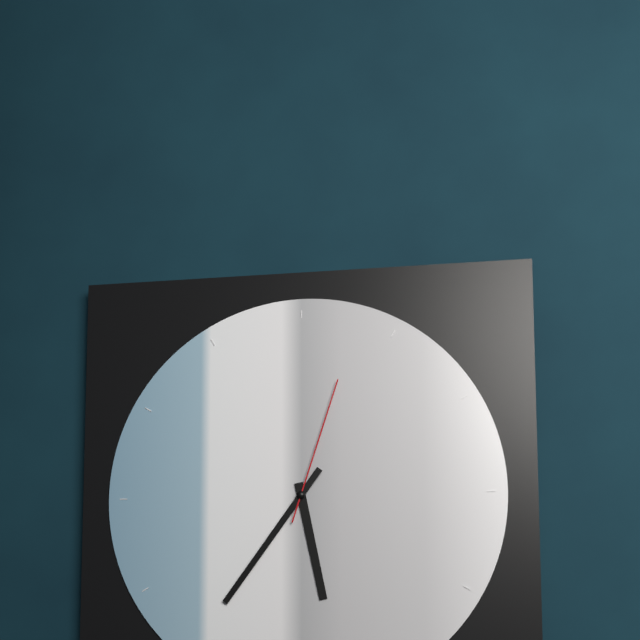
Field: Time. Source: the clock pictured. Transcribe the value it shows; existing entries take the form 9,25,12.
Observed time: 5,36,03
